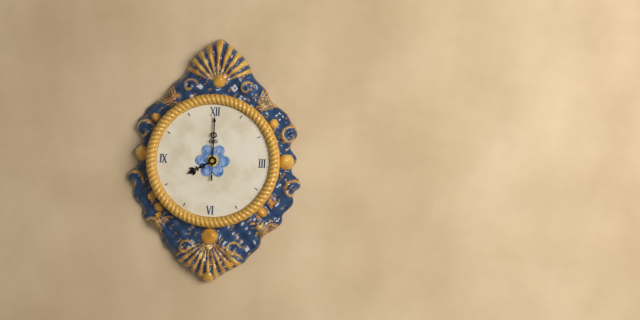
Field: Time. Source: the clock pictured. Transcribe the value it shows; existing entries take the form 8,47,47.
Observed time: 8,00,00
